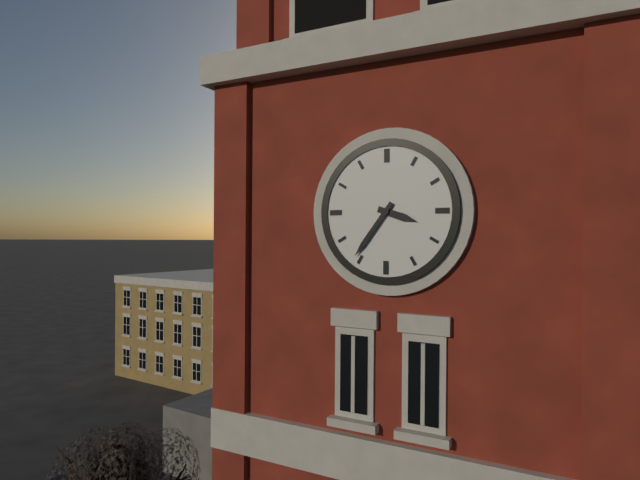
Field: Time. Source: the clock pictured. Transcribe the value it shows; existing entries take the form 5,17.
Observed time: 3,36
